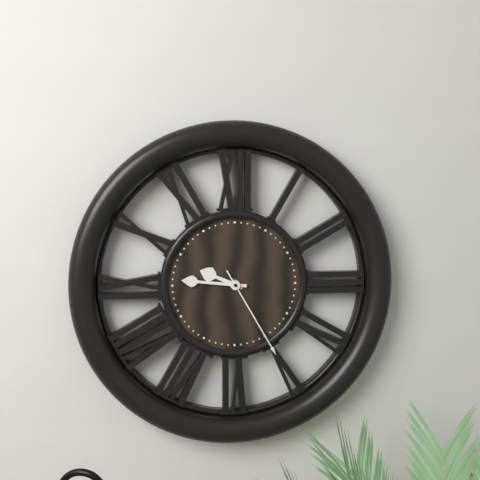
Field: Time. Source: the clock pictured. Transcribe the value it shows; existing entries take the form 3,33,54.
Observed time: 9,46,25
